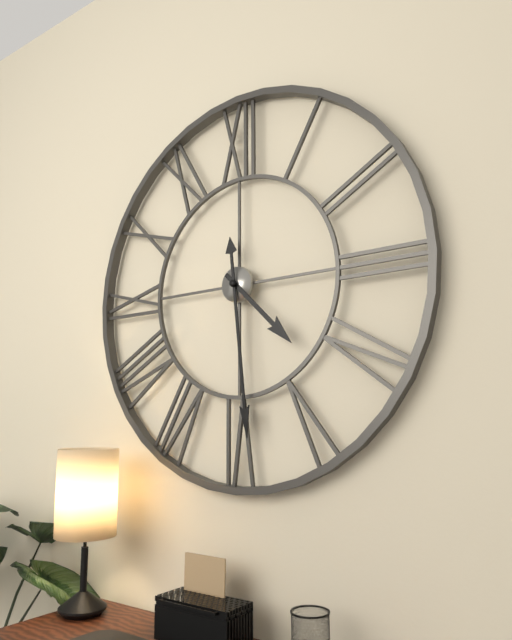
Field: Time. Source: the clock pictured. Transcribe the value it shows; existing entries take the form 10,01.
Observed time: 4,29
